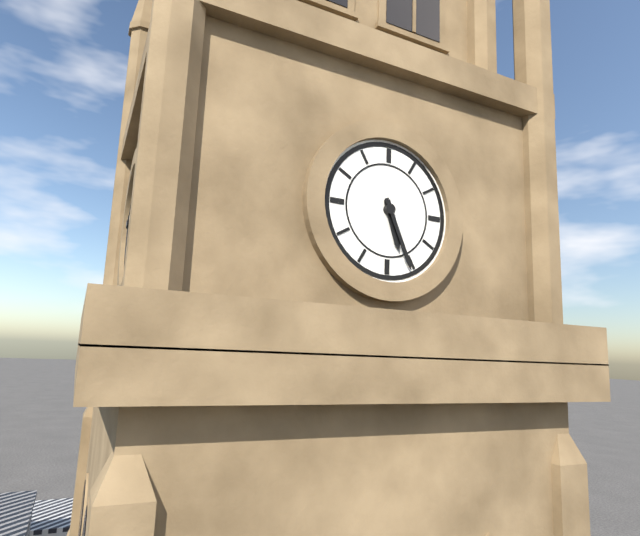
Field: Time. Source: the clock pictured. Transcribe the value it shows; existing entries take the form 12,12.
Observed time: 5,26
